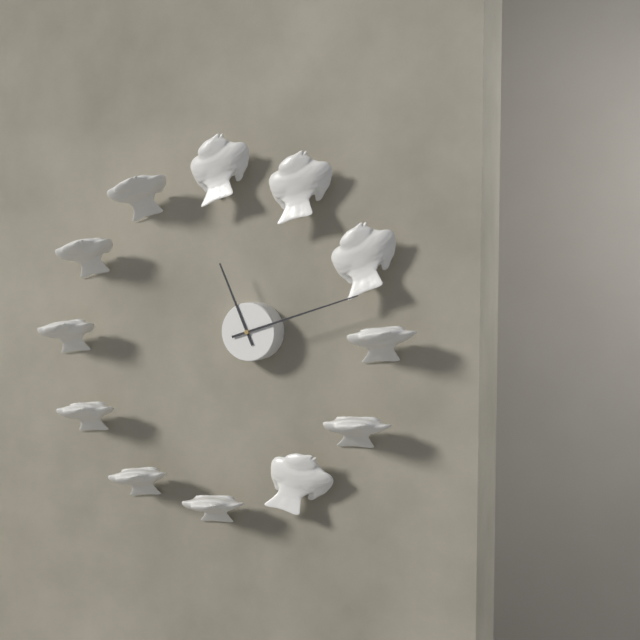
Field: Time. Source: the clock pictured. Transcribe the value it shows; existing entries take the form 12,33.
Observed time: 11,12
